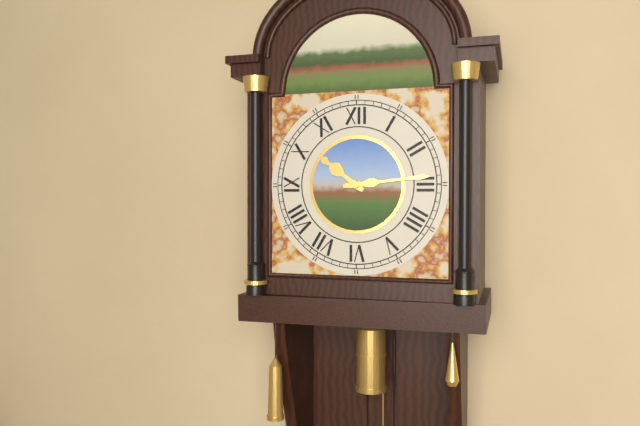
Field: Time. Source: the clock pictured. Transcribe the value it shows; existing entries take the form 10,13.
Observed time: 10,14
